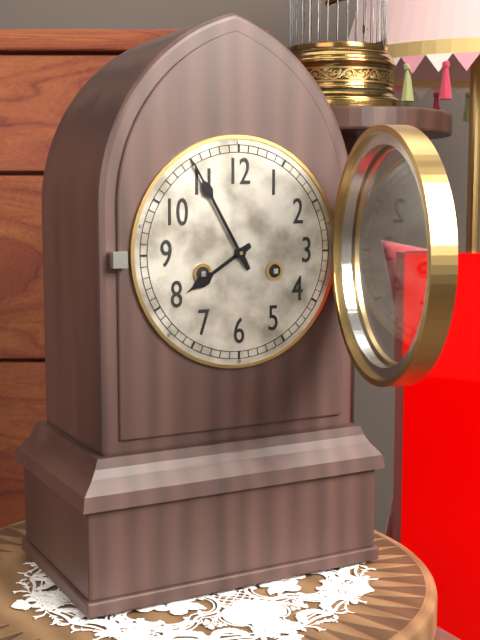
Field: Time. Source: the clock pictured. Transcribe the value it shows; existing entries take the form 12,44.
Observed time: 7,55
